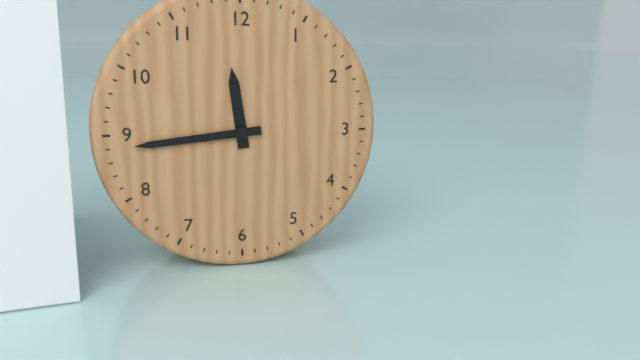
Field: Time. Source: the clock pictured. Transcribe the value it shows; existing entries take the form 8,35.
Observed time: 11,44
